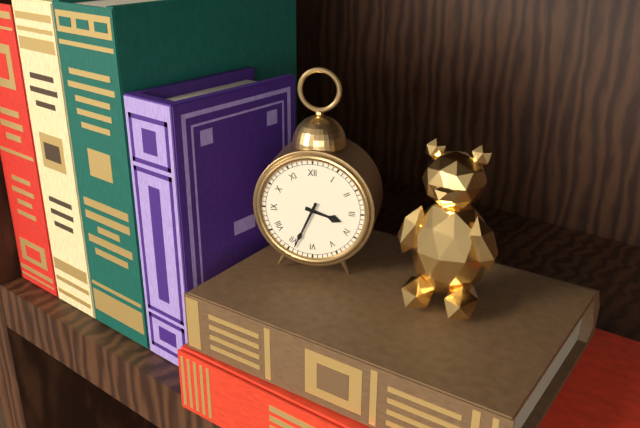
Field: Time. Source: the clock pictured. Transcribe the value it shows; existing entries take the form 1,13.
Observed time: 3,34
